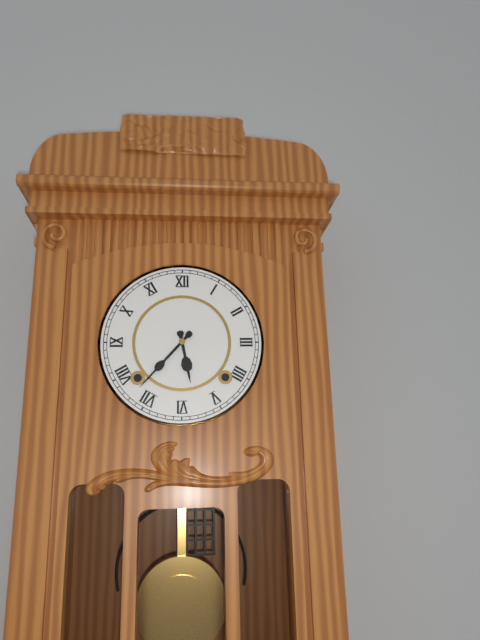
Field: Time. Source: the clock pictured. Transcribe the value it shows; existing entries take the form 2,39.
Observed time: 5,37
